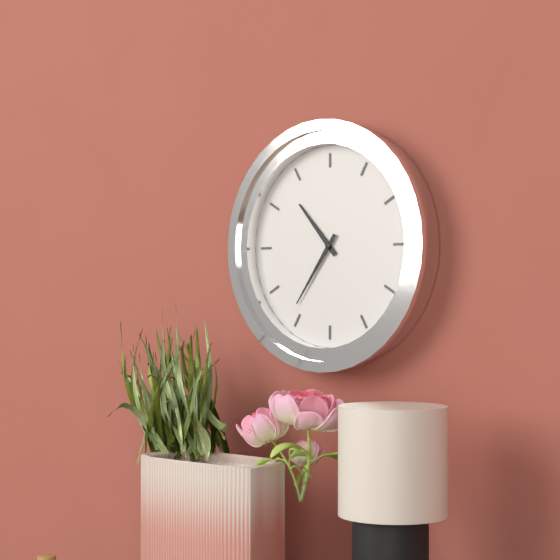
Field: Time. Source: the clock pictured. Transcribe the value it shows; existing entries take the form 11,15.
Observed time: 10,36
